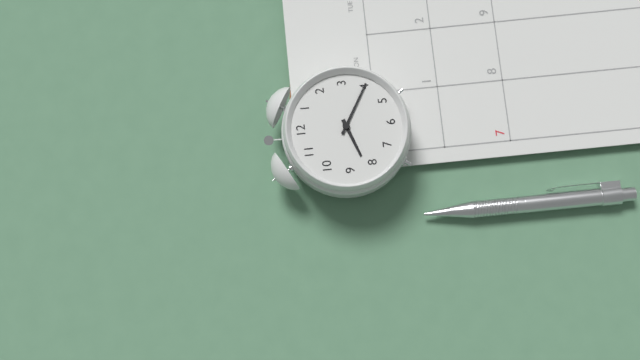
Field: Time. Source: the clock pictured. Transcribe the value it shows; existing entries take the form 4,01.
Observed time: 8,20
